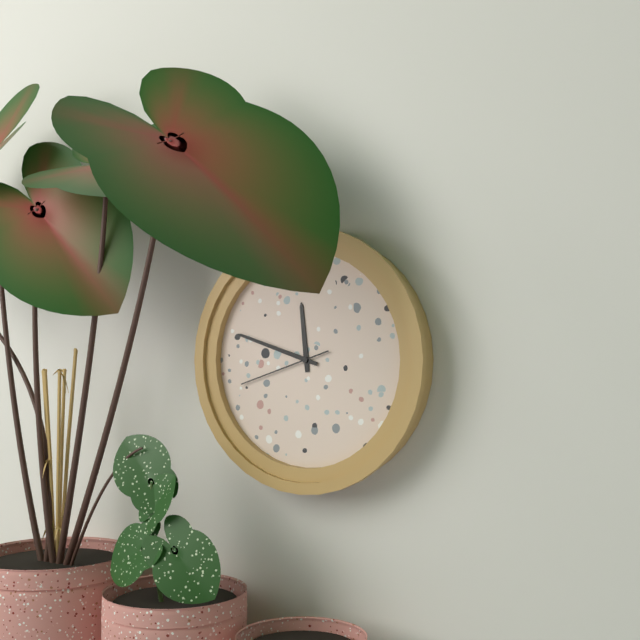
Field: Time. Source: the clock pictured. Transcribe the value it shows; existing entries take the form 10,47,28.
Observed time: 11,48,42
